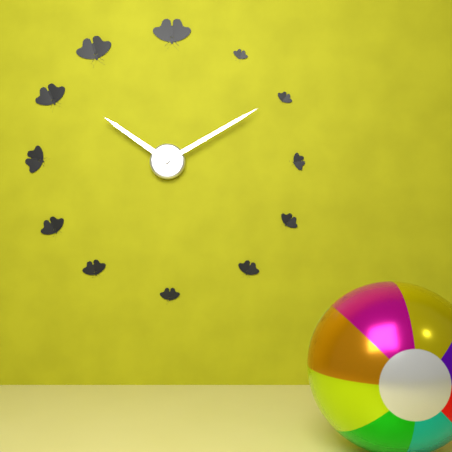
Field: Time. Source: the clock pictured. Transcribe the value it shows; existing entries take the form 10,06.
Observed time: 10,10
